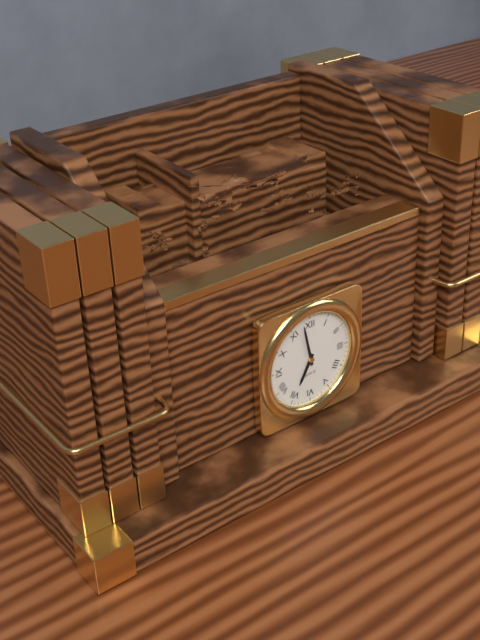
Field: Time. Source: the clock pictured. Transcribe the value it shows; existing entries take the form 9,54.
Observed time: 6,58
